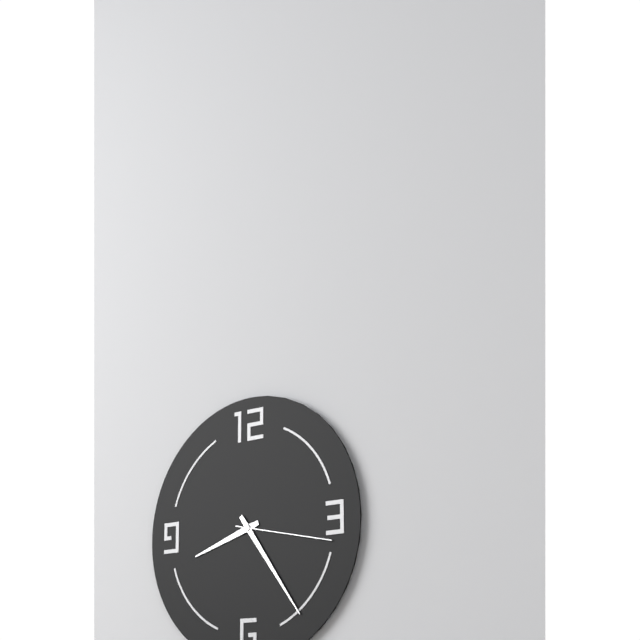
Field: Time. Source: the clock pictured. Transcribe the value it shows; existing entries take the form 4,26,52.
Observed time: 8,24,17
